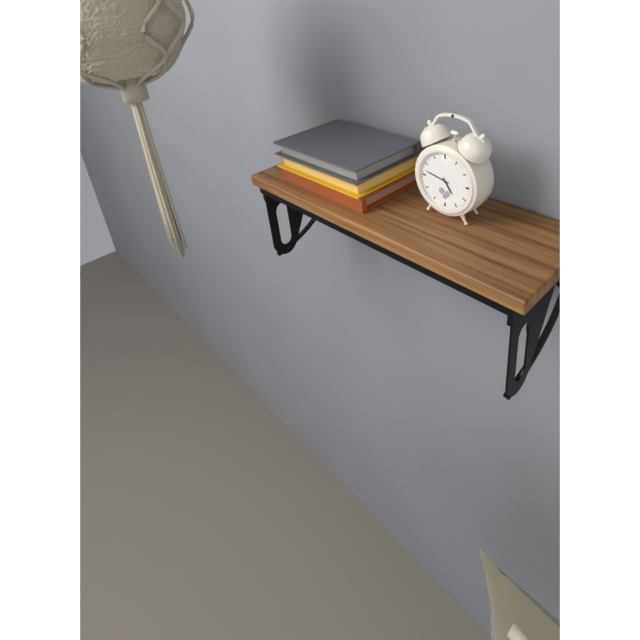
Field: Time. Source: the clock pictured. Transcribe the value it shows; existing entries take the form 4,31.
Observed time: 4,47
